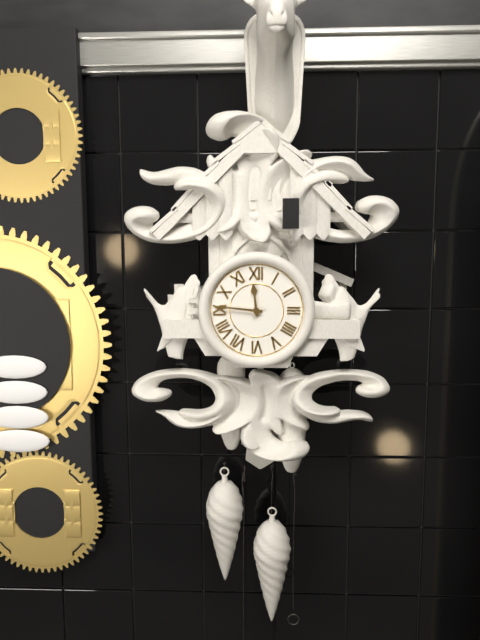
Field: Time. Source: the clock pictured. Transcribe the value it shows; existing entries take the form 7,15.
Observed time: 11,46
